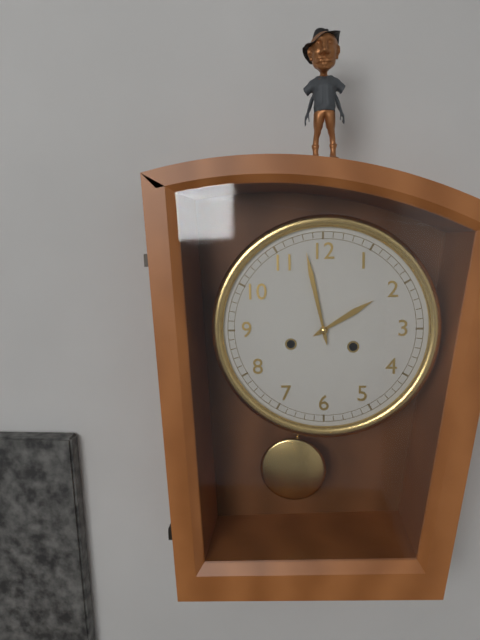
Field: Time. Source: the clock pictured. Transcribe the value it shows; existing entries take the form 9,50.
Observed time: 1,58
